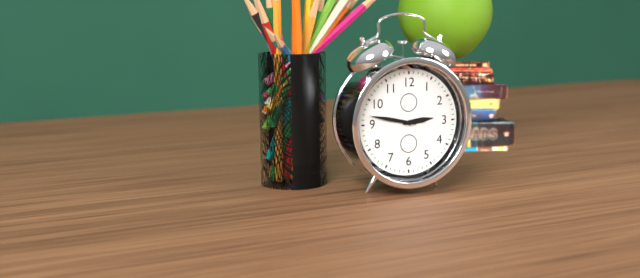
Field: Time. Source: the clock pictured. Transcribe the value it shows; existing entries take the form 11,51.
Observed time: 2,47
